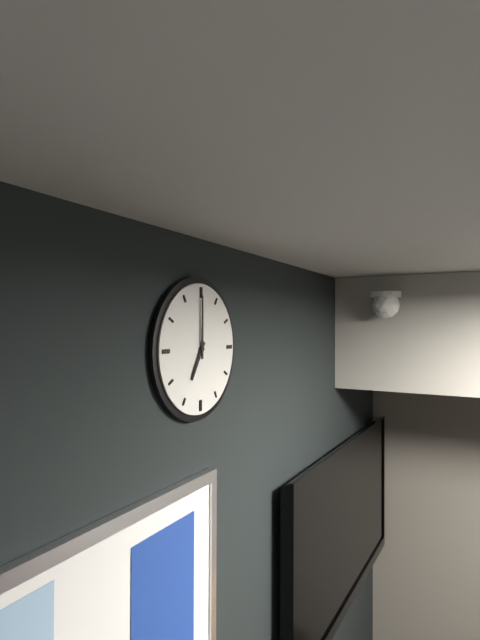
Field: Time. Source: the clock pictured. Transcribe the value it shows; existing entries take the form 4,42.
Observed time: 7,00
